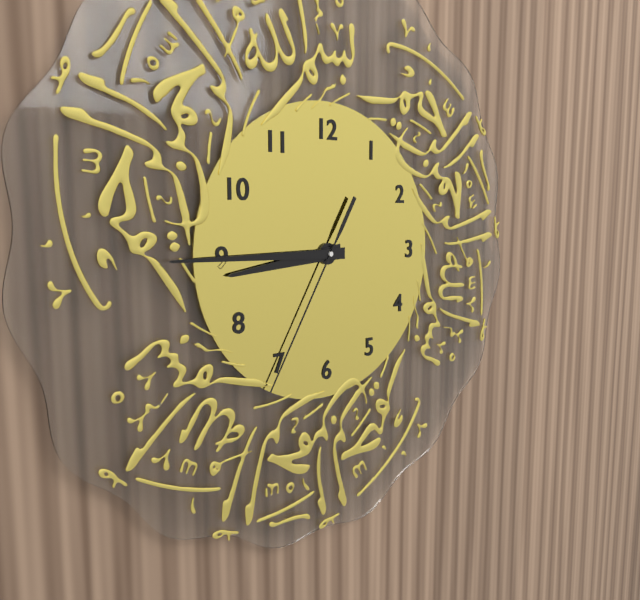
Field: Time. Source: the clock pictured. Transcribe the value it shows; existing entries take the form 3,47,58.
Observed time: 8,45,35
